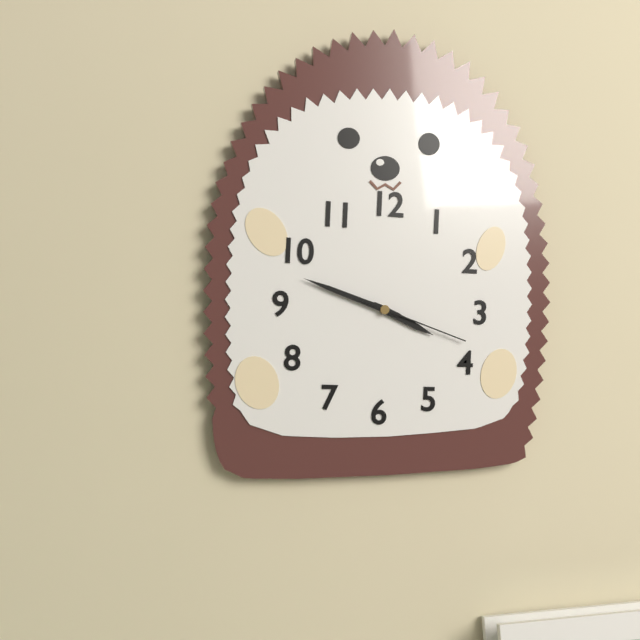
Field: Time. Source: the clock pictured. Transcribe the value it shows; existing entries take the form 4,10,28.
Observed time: 3,48,18
